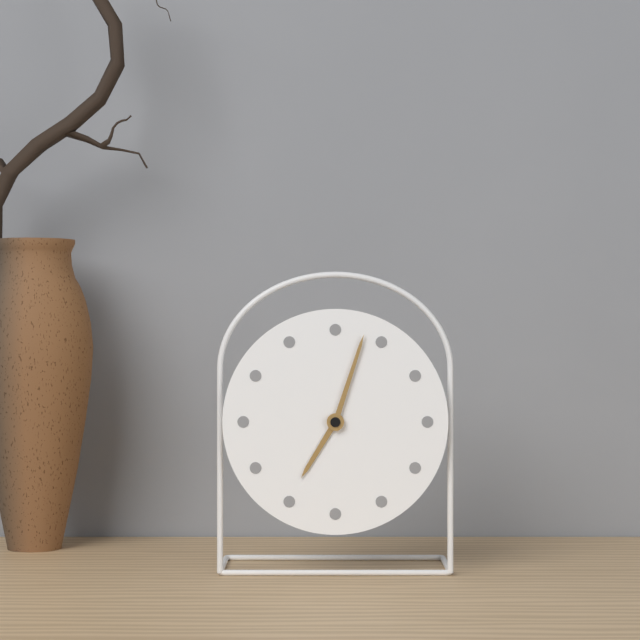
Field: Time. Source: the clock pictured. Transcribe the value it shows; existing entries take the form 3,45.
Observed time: 7,03
